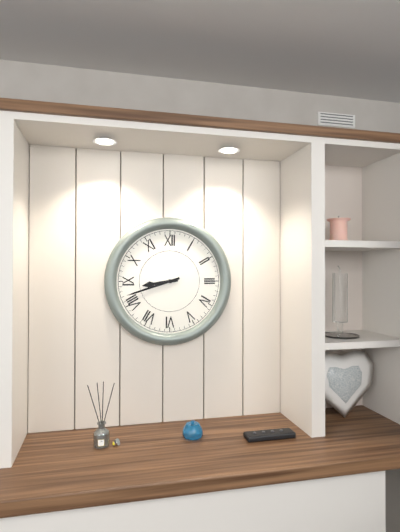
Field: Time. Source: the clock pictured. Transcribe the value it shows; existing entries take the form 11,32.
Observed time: 8,42
